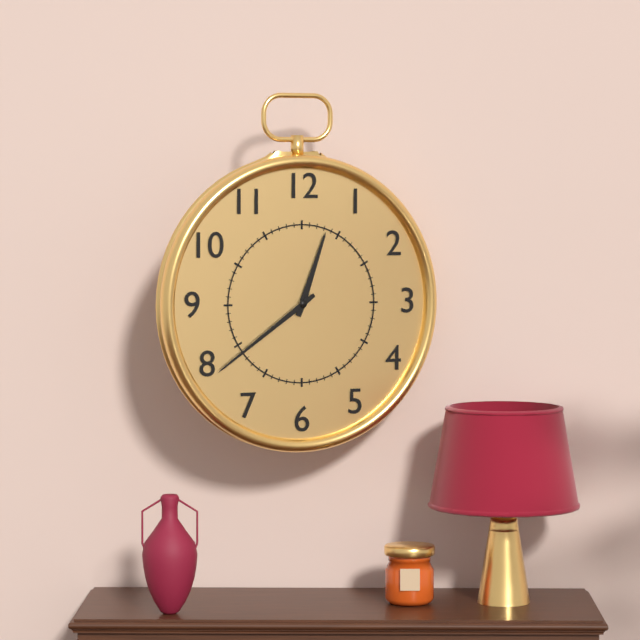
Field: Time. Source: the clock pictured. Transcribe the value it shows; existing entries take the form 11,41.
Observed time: 12,39
